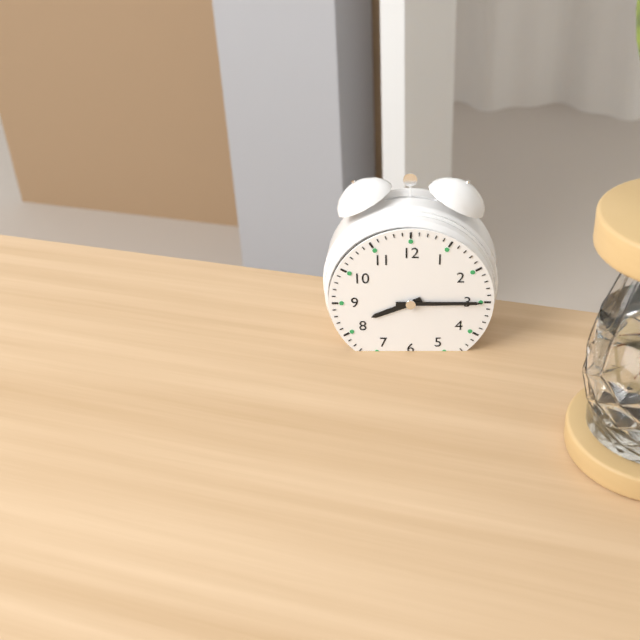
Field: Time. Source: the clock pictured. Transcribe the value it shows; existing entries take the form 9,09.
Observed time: 8,15
